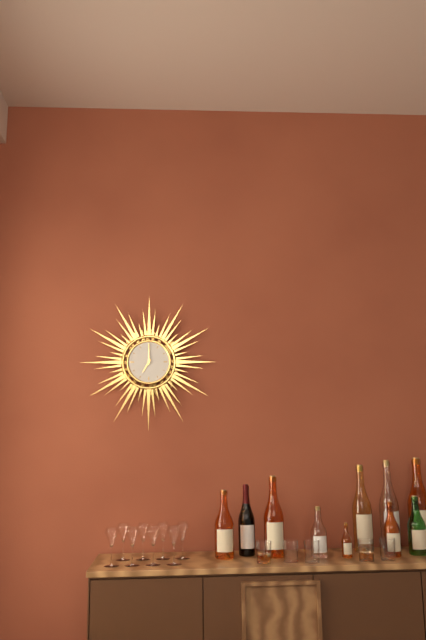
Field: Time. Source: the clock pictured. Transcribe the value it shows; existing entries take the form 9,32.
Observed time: 7,00
